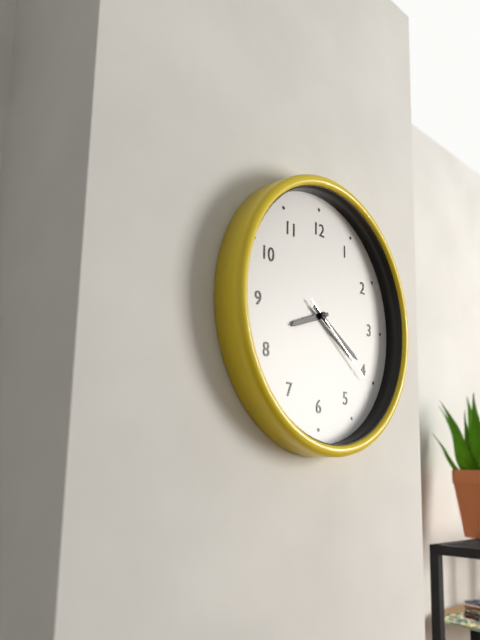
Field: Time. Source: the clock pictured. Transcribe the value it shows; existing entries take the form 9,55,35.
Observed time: 8,20,21
